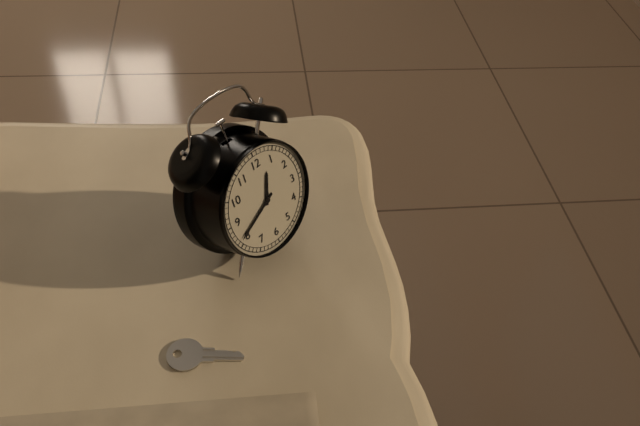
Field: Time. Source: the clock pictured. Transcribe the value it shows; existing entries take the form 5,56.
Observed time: 12,41
